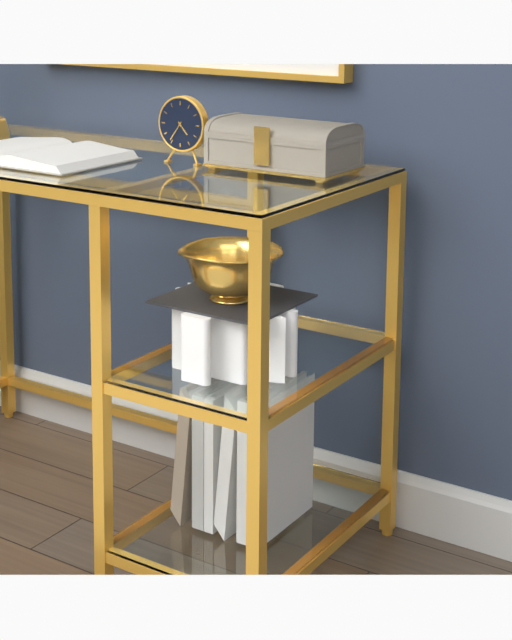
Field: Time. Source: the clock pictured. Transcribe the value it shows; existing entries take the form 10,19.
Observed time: 4,36
